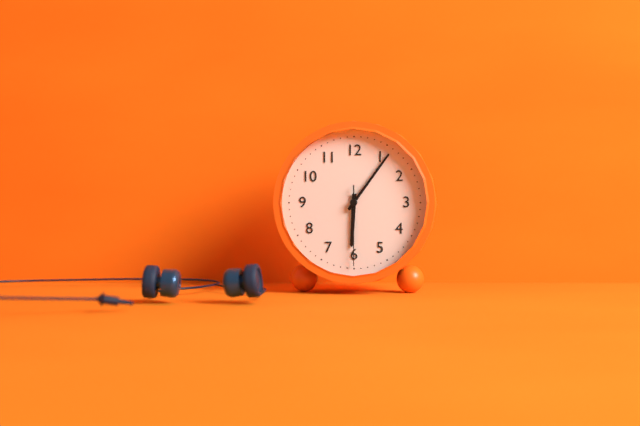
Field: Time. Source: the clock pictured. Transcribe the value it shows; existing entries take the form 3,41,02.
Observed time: 6,06,30
